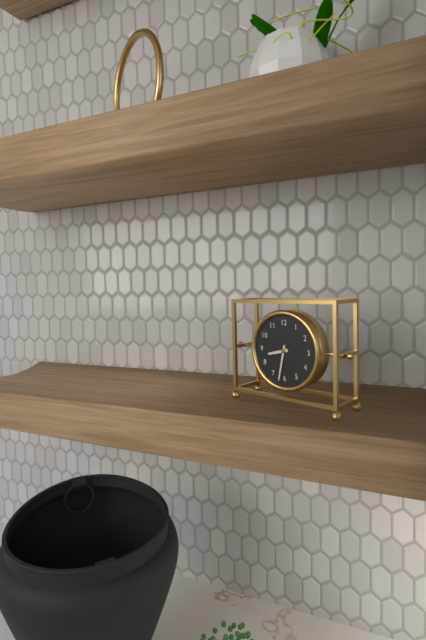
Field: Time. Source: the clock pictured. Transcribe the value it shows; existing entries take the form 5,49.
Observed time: 8,32
